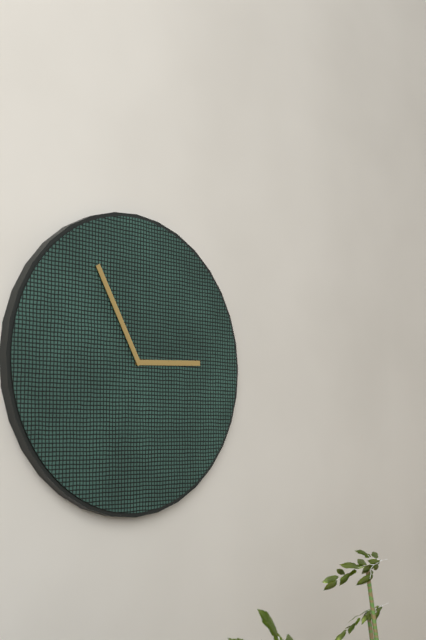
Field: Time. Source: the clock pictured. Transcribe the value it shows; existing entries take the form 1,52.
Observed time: 2,55
